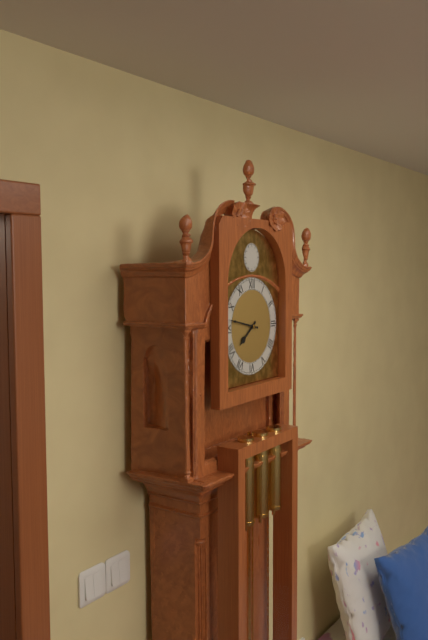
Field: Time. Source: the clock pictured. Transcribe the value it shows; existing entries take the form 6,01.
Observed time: 7,47
